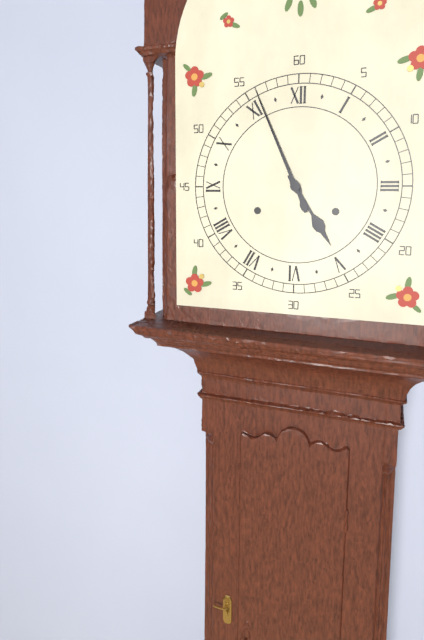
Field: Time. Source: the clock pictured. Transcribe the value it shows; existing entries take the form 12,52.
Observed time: 4,56
